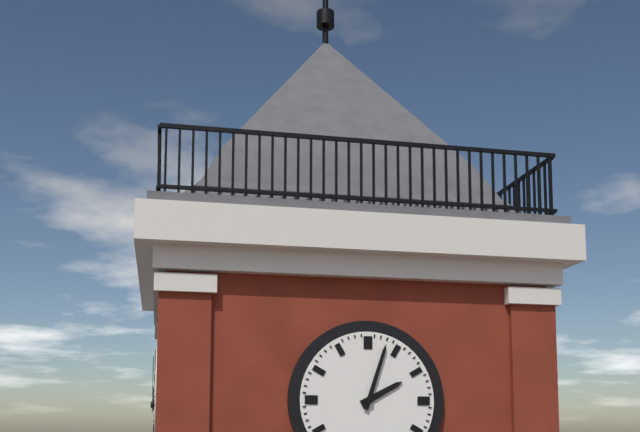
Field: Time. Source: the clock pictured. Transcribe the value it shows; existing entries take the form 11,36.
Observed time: 2,03
